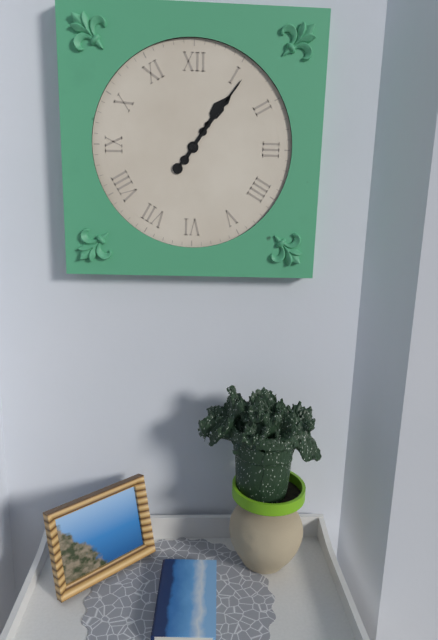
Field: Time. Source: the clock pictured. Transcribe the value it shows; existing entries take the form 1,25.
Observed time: 1,06
